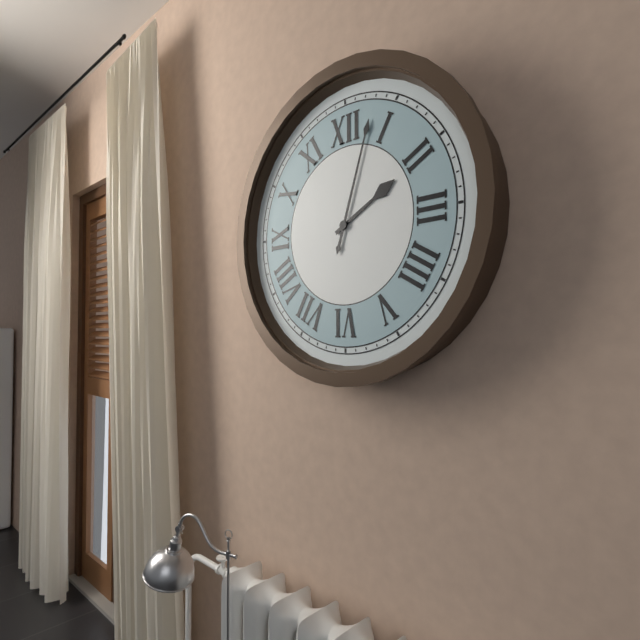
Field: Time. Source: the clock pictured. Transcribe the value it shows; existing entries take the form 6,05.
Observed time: 2,03
